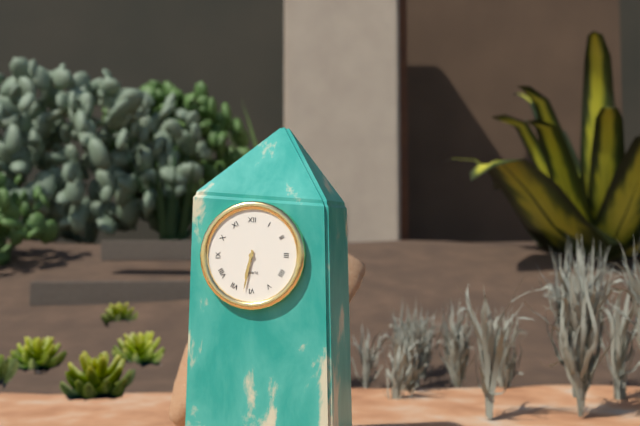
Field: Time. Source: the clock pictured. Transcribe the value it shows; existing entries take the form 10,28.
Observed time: 6,32
